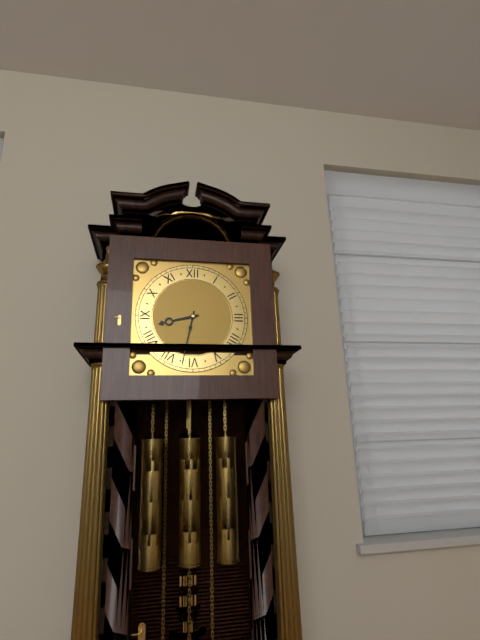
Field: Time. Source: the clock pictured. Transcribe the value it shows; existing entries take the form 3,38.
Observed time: 8,32
